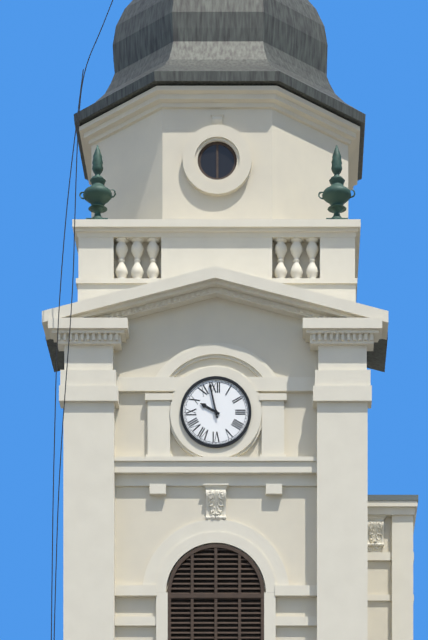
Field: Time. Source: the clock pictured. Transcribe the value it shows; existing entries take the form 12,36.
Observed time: 9,58
